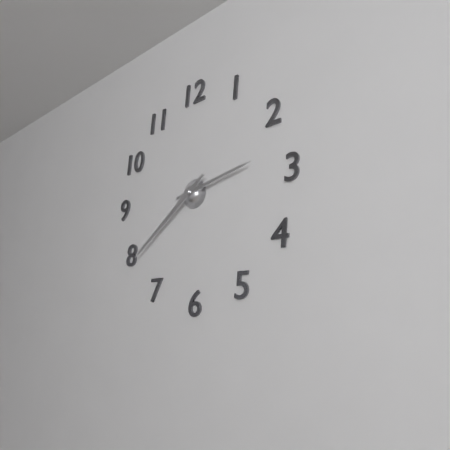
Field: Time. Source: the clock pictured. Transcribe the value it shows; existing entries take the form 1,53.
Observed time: 2,39
